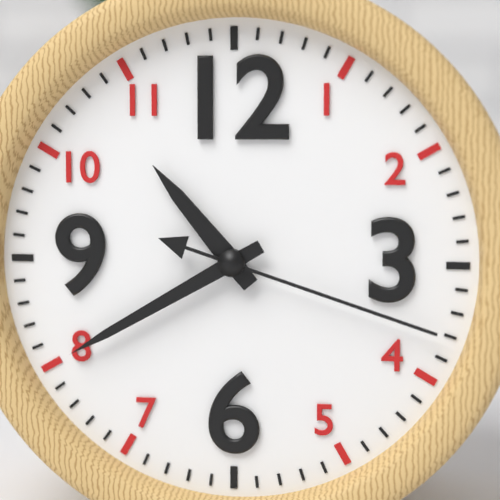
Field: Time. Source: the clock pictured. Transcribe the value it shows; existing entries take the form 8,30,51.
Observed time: 10,40,18
